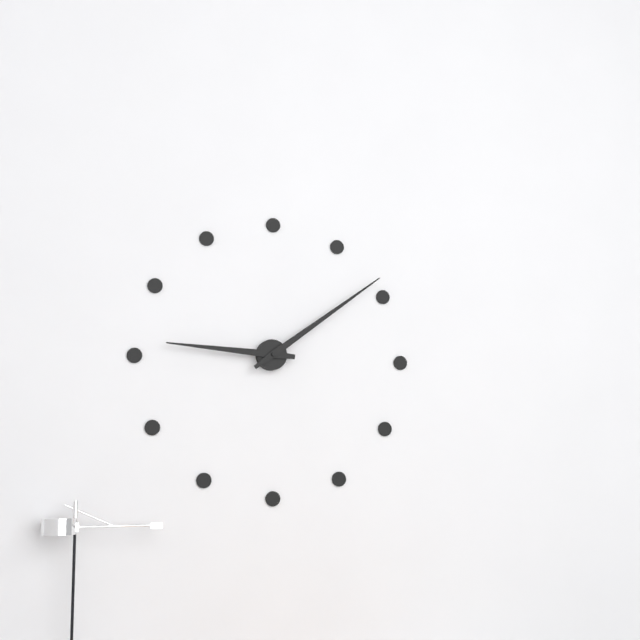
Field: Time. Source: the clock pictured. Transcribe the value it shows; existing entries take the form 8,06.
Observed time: 9,09
